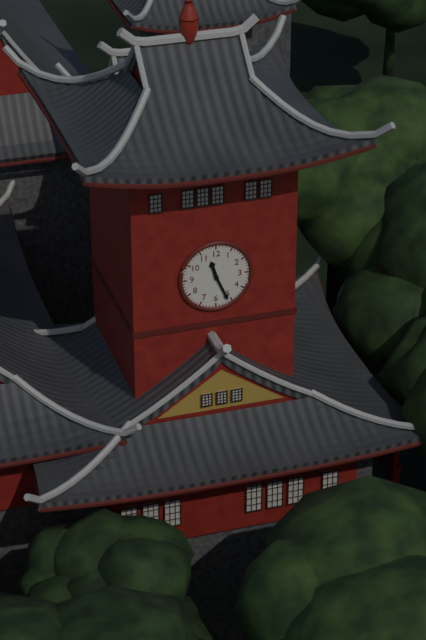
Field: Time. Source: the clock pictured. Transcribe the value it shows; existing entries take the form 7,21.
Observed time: 11,26
